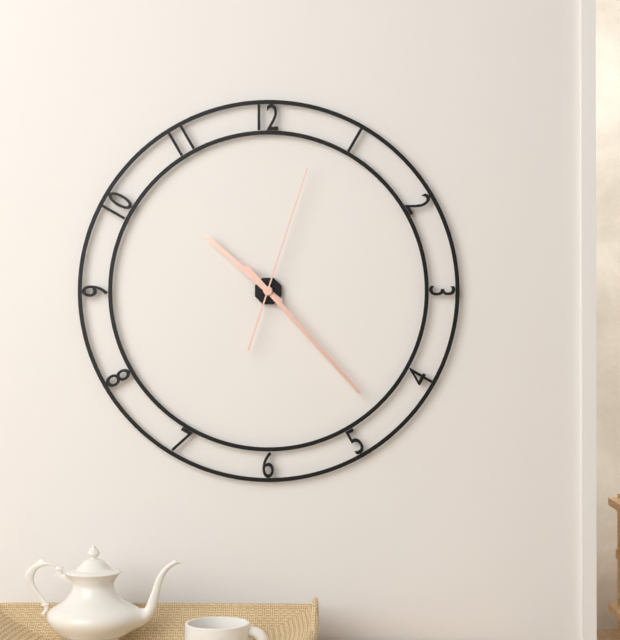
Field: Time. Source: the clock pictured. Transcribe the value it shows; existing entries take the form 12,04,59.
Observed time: 10,23,03
